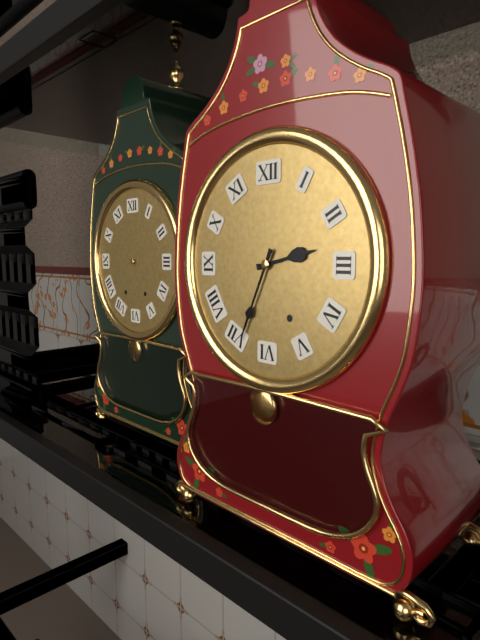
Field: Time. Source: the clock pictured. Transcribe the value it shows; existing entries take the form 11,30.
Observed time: 2,34
